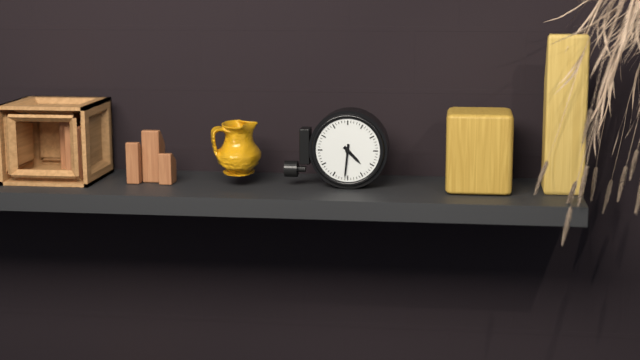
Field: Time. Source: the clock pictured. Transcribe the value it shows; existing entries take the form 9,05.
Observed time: 4,31
